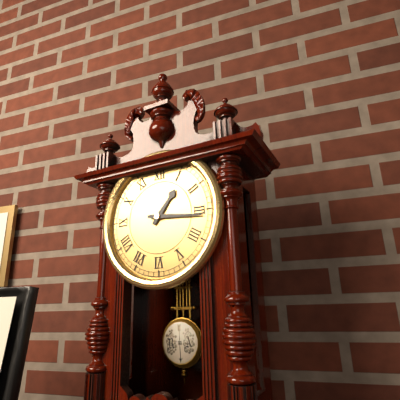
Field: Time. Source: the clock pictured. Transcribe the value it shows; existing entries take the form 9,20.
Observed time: 1,16
